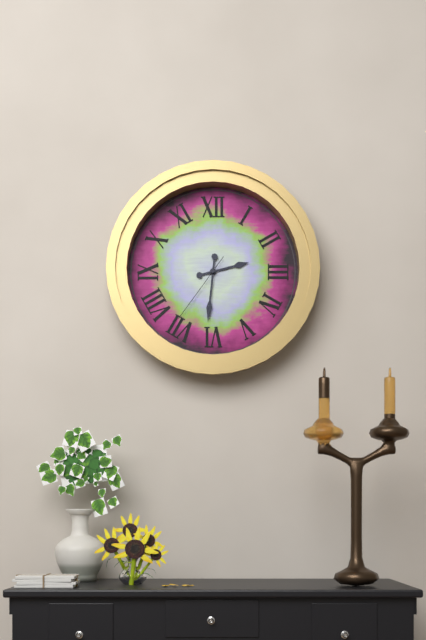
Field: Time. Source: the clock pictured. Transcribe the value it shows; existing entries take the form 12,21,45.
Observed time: 2,31,36
